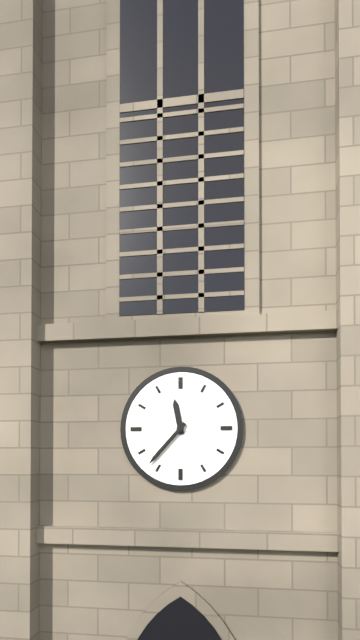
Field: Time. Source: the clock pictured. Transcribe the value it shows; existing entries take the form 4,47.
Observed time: 11,37
